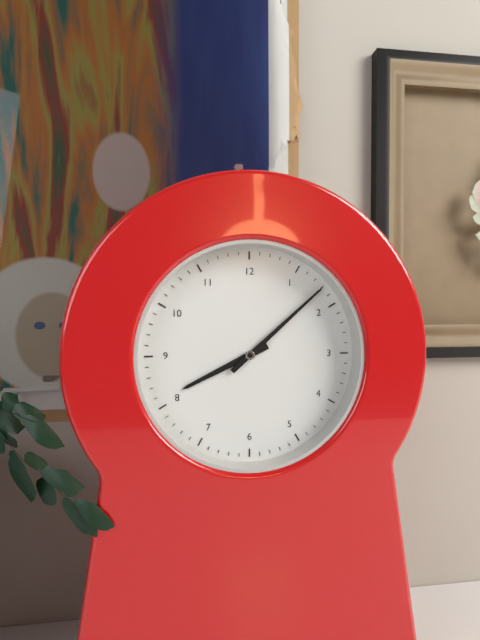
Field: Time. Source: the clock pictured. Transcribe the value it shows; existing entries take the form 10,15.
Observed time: 8,08
